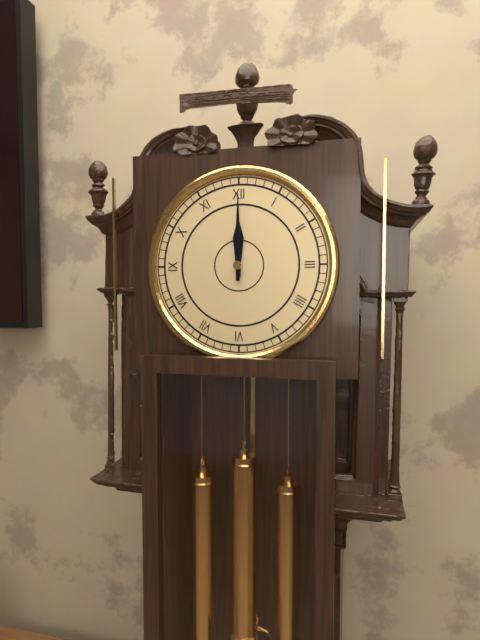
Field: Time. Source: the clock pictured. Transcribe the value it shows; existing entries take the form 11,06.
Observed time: 12,00
